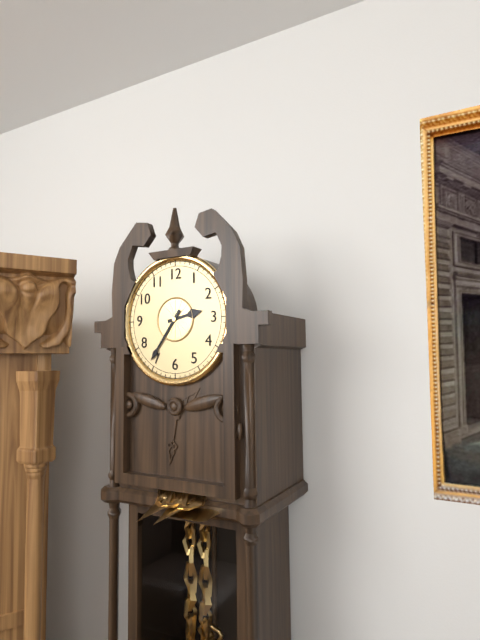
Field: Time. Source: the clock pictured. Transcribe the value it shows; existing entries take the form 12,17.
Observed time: 2,36
